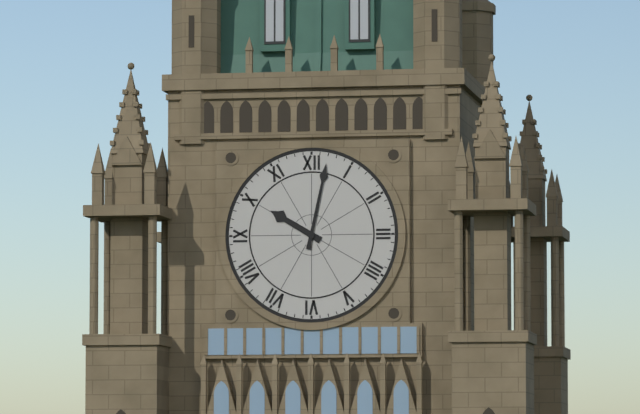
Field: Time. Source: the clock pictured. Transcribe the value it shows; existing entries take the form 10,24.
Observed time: 10,02
